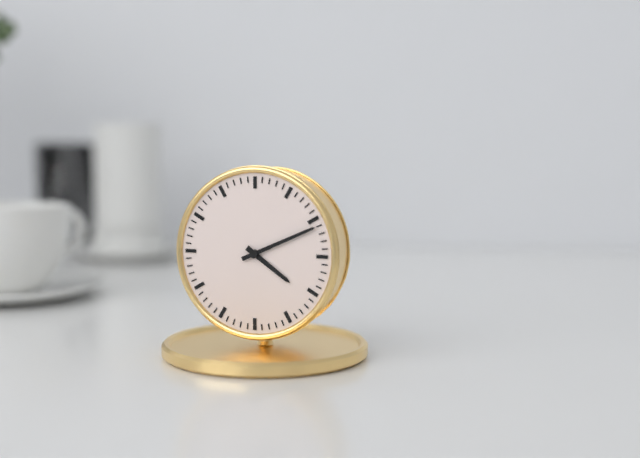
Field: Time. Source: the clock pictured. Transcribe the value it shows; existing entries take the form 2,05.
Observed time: 4,11
